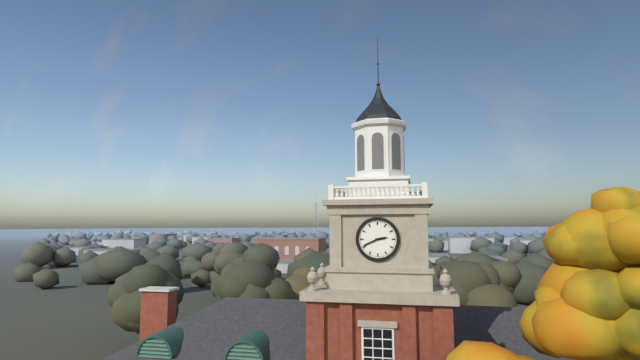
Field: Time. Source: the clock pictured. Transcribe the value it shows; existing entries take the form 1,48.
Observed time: 2,41
